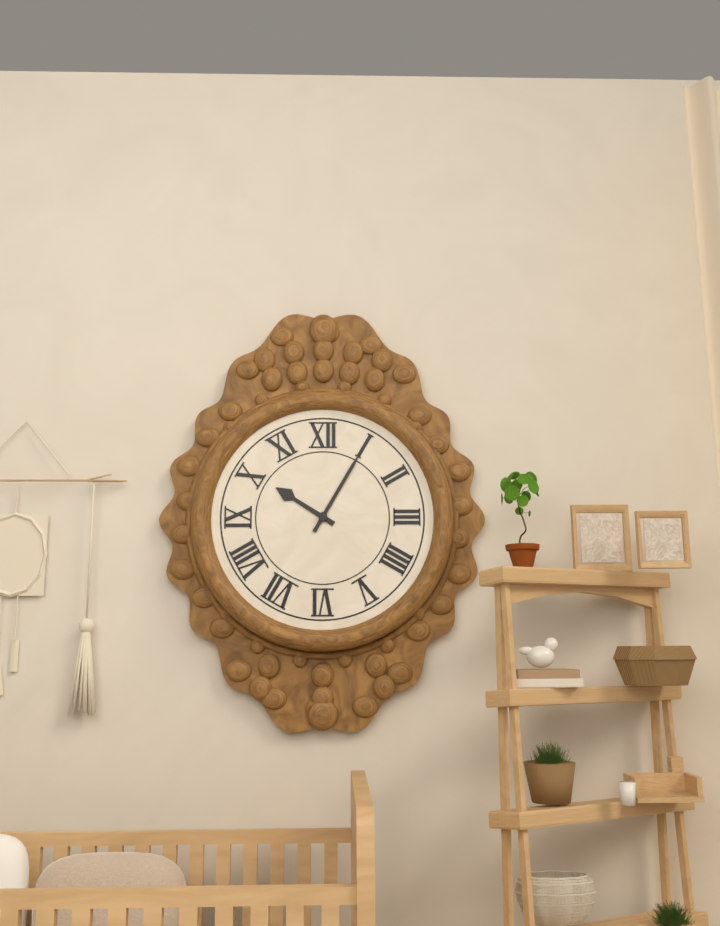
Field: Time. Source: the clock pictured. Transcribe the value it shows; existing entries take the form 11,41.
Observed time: 10,05
